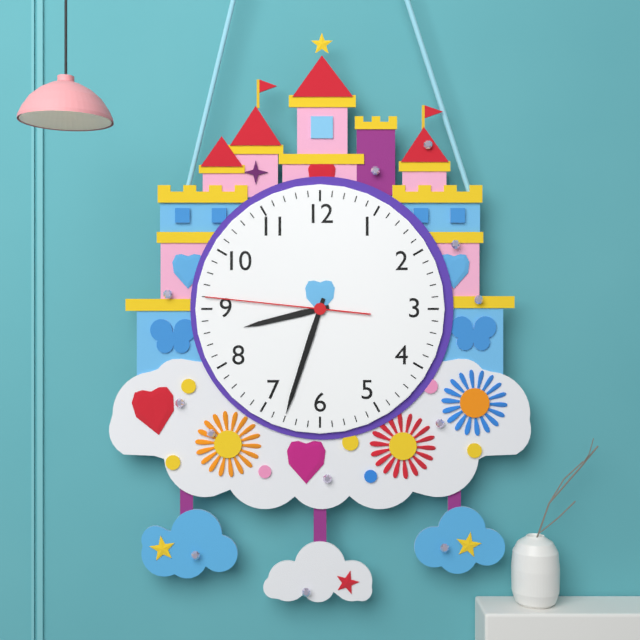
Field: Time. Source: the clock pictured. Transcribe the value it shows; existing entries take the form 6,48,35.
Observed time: 8,33,46
